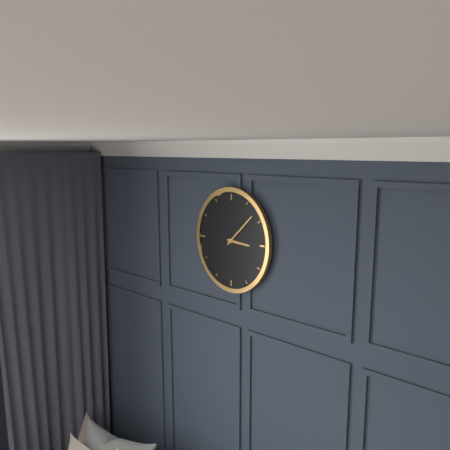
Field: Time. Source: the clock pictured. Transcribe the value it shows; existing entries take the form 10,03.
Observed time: 3,08
